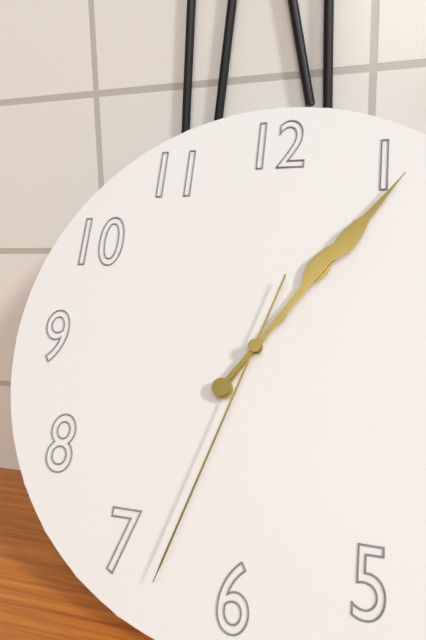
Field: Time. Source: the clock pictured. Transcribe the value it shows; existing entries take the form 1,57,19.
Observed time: 1,06,33
